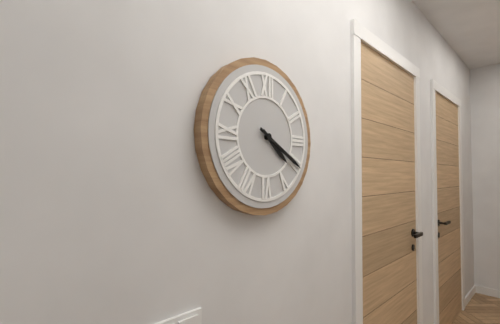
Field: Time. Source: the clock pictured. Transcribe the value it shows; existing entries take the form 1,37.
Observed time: 4,20
